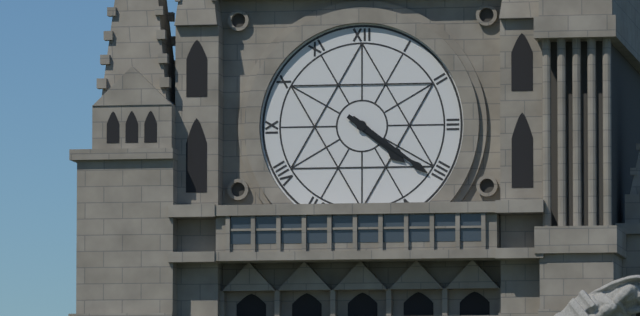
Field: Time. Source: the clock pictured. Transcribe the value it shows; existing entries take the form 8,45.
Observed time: 4,21
